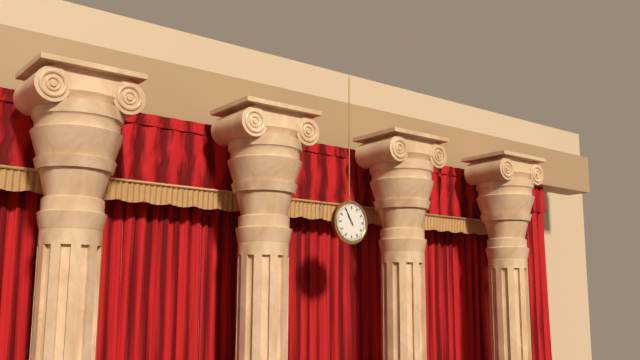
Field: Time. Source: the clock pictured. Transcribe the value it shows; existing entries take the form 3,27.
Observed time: 10,55
